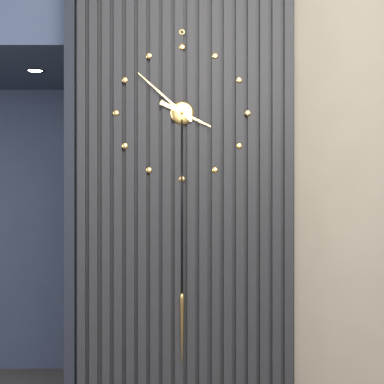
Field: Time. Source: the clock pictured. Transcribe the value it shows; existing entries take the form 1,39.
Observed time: 3,52
